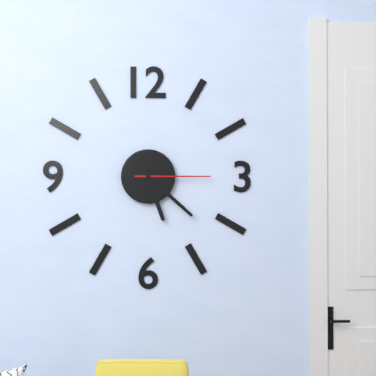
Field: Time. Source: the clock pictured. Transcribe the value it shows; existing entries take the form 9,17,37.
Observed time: 5,22,15
